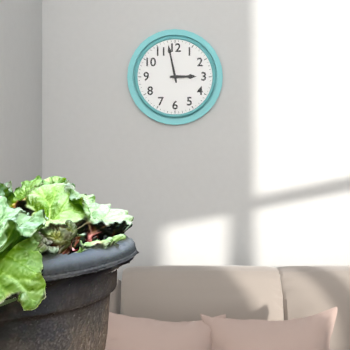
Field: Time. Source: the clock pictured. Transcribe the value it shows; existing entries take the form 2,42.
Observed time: 2,58
